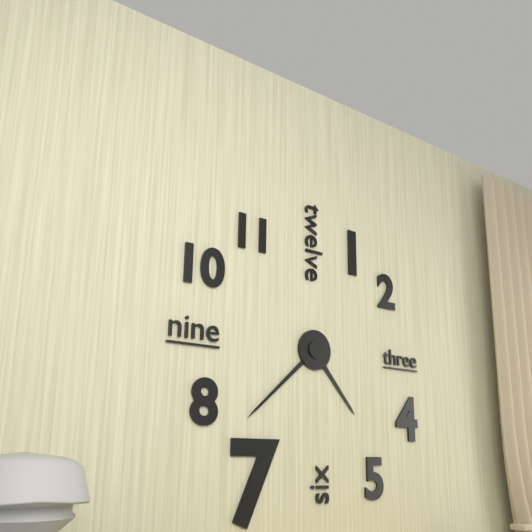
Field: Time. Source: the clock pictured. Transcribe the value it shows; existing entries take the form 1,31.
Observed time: 4,38
